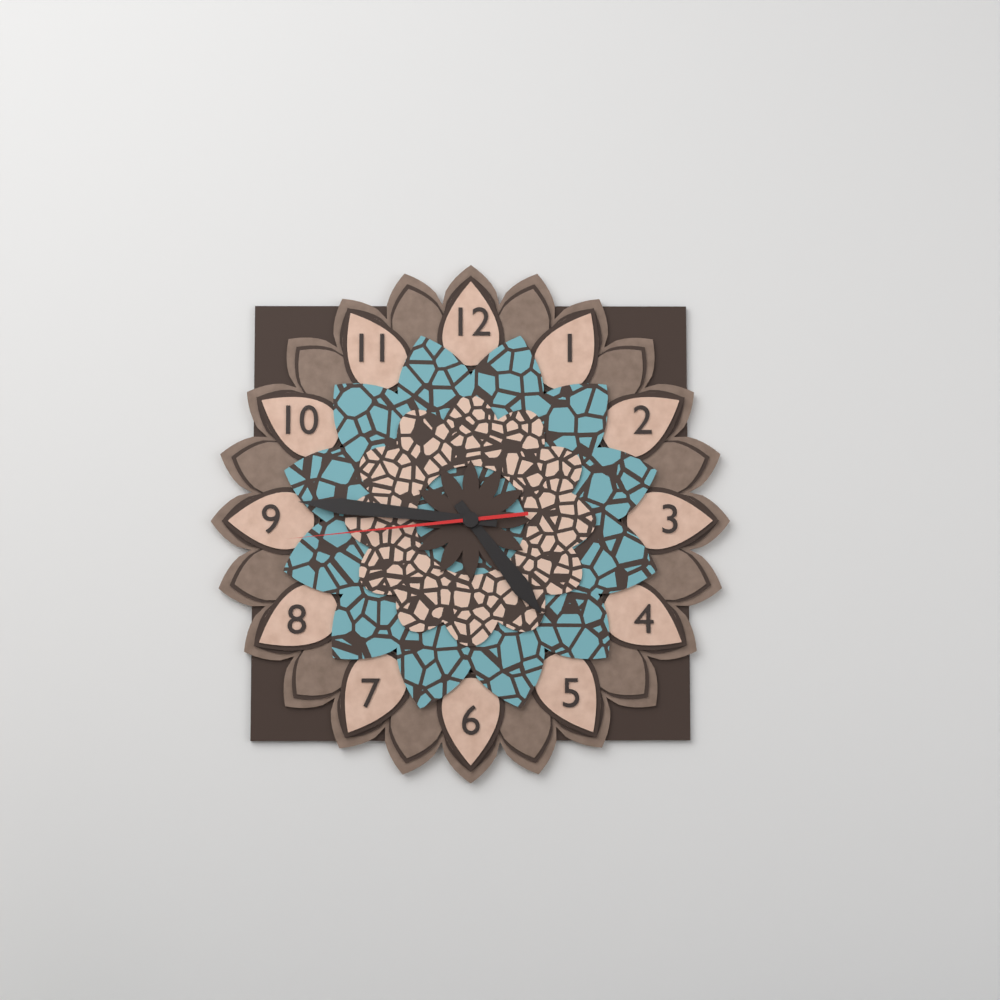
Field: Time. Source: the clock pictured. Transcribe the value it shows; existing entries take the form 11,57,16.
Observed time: 4,46,44
